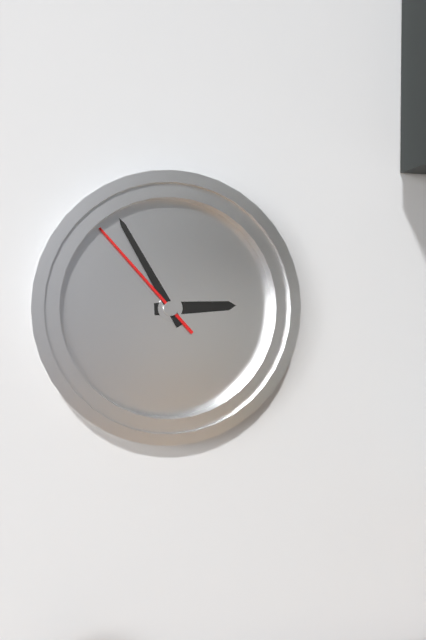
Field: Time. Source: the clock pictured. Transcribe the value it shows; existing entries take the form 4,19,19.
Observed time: 2,55,53
